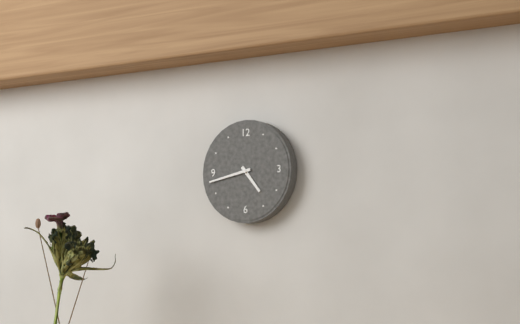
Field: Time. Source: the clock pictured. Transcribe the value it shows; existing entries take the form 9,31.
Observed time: 4,43
